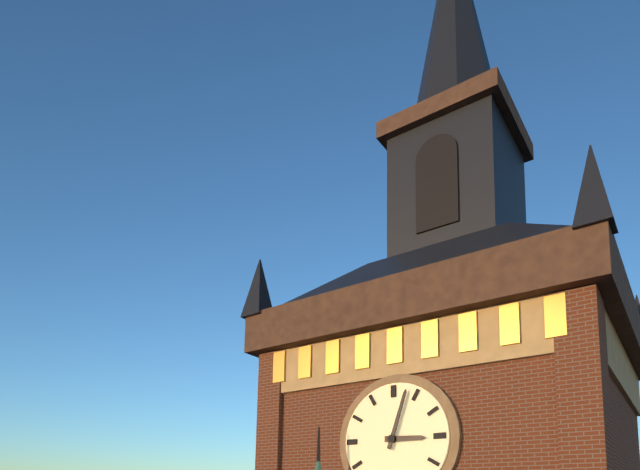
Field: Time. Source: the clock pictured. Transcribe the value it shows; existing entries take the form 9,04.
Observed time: 3,03
